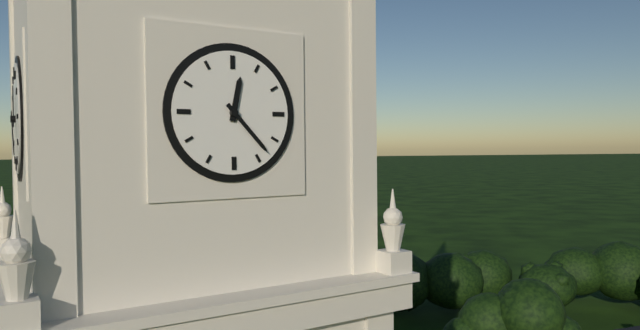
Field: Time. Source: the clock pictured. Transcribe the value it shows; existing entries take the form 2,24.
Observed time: 12,23
